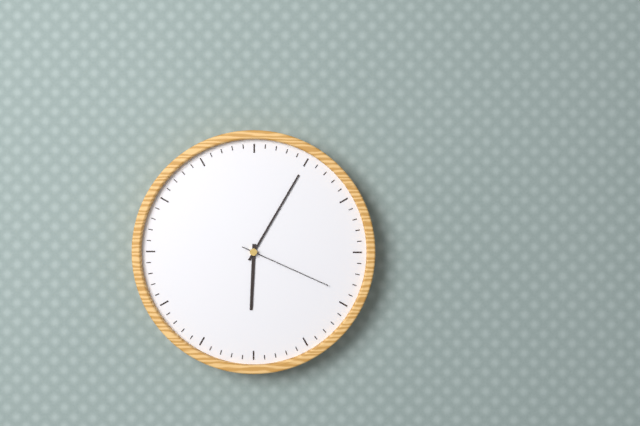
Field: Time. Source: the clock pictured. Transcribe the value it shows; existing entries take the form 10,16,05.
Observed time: 6,05,19
